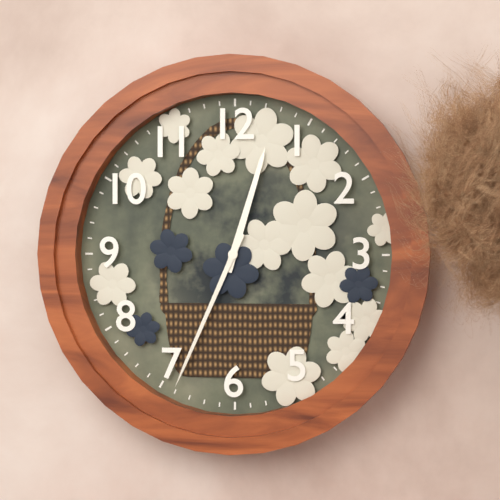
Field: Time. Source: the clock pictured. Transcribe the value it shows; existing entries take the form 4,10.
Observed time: 12,34
